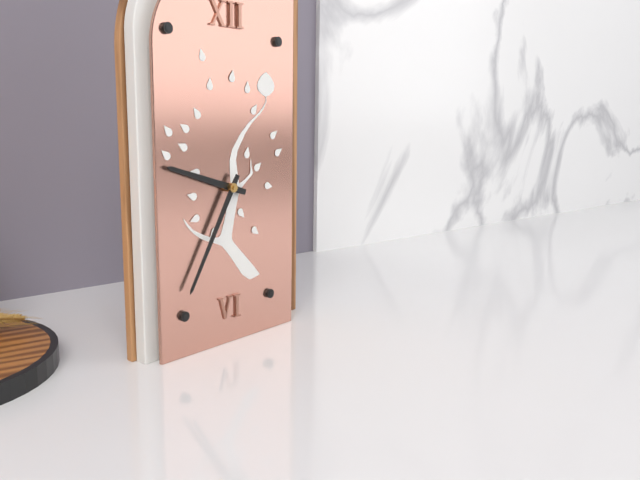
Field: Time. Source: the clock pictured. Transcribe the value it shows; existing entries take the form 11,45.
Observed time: 9,35
